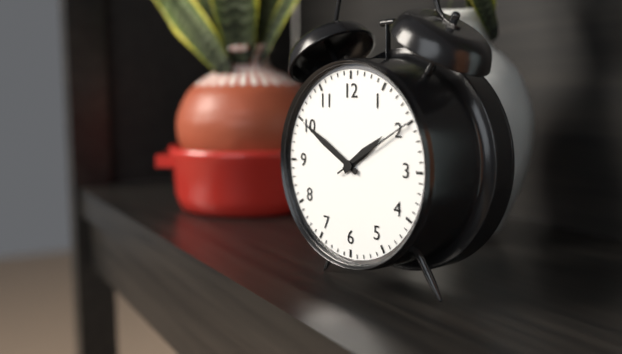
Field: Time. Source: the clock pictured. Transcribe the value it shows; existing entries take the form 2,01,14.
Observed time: 1,50,10
